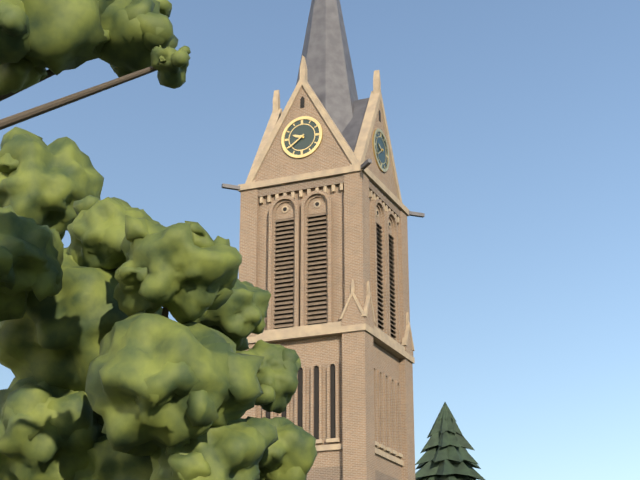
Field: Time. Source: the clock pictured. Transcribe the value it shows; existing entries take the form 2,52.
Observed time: 9,39
